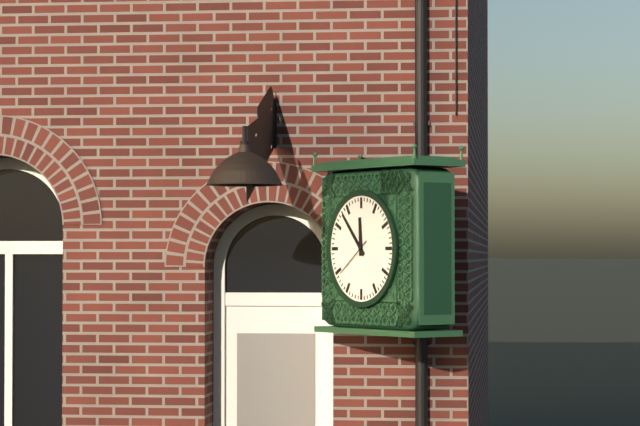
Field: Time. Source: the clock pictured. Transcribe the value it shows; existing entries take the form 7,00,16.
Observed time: 11,53,39
